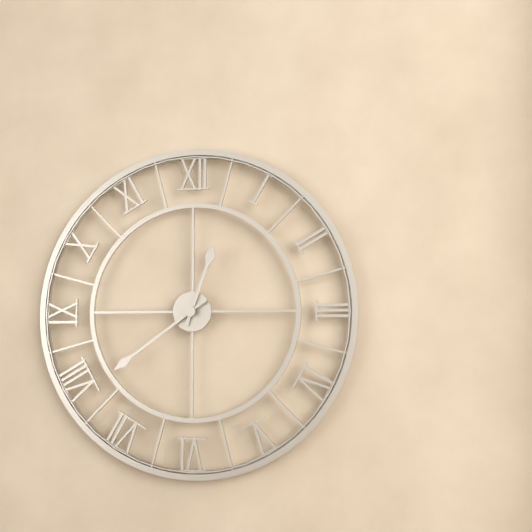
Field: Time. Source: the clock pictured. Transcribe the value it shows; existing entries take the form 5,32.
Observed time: 12,39
